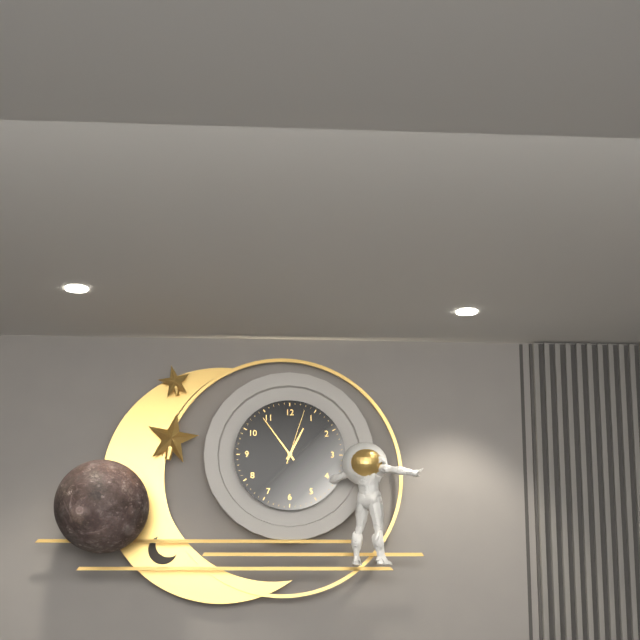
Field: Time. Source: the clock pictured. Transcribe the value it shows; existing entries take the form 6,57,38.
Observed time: 12,54,03
